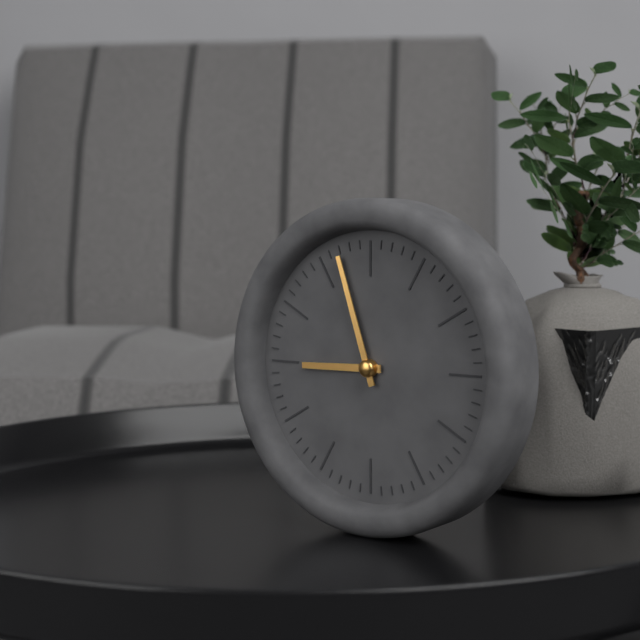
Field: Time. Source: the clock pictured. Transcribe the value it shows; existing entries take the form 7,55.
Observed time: 8,57
